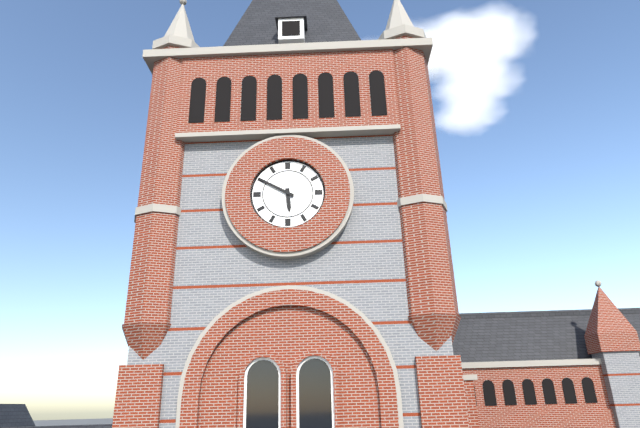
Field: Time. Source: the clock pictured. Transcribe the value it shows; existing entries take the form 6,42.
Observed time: 5,50
